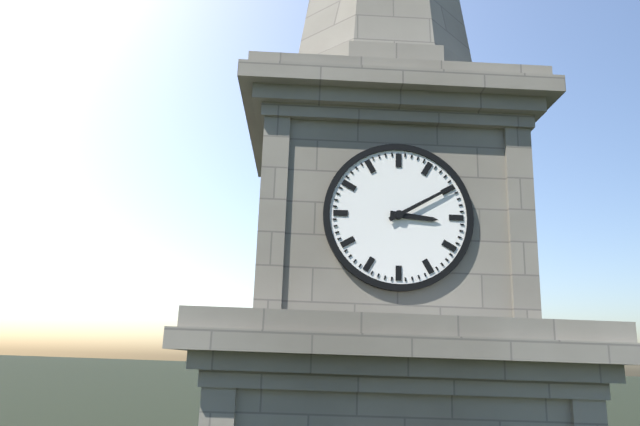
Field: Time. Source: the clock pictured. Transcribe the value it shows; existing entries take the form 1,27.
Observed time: 3,10
